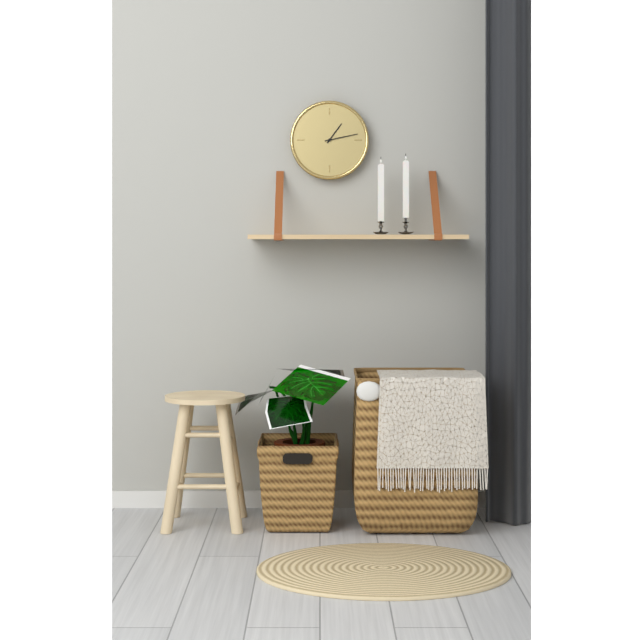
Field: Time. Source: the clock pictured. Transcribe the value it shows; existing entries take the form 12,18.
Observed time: 1,13
